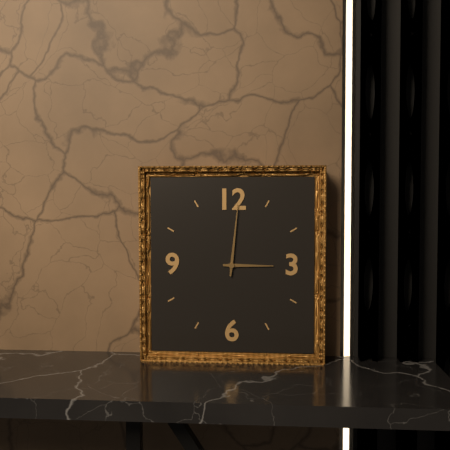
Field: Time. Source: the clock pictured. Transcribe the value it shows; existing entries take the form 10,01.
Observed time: 3,01
